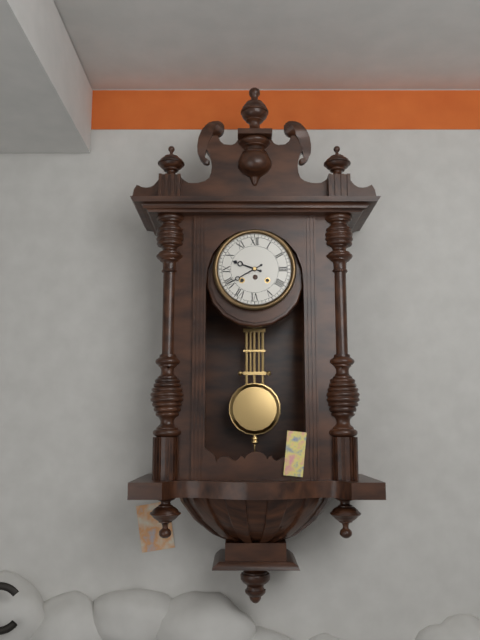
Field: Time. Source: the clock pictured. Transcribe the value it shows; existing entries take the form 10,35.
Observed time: 9,40
